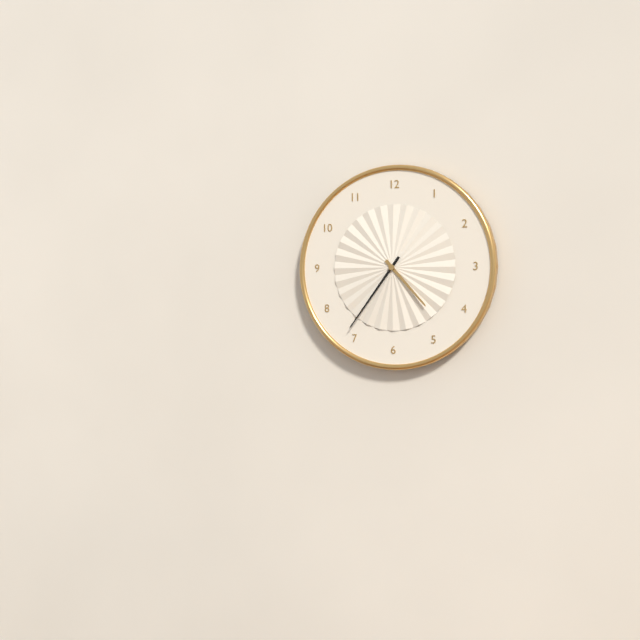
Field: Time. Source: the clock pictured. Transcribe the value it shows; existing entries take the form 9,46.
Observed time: 4,36
